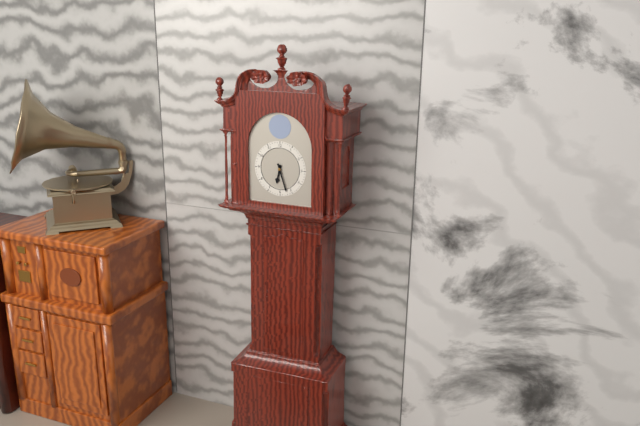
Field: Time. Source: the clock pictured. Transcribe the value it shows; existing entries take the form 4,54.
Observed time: 6,27
